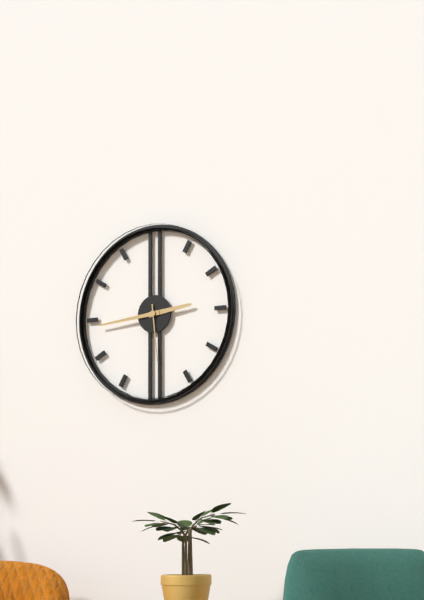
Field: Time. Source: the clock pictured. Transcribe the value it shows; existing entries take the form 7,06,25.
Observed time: 2,44,29
